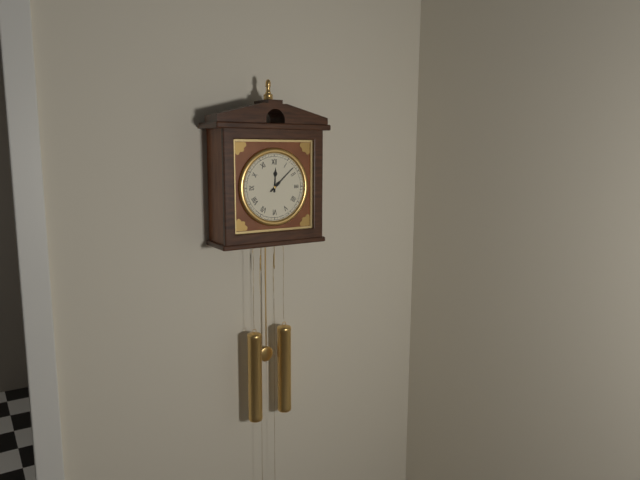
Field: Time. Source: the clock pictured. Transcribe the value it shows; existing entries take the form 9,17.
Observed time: 12,08
